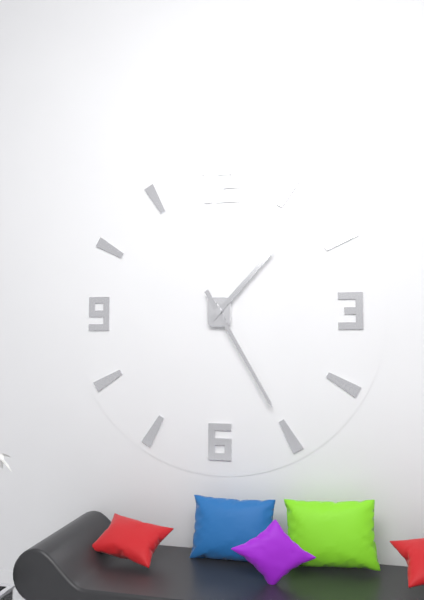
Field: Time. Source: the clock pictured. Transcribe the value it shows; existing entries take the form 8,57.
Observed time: 1,25
